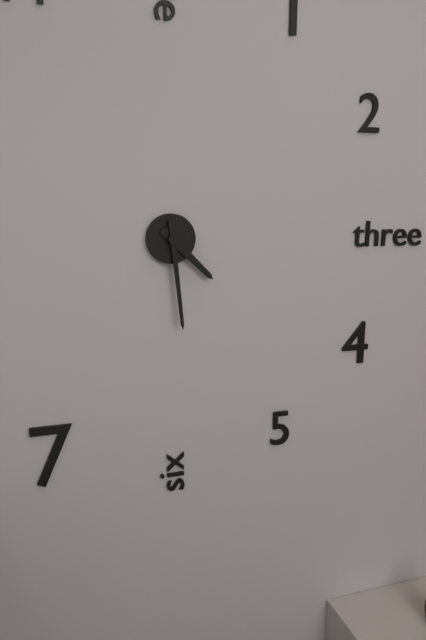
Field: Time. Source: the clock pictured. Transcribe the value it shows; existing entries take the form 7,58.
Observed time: 4,29
